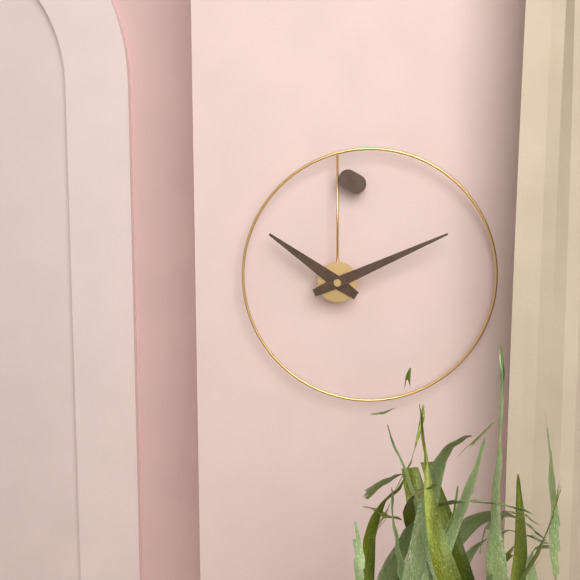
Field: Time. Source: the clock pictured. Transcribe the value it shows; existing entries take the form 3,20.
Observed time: 10,11
